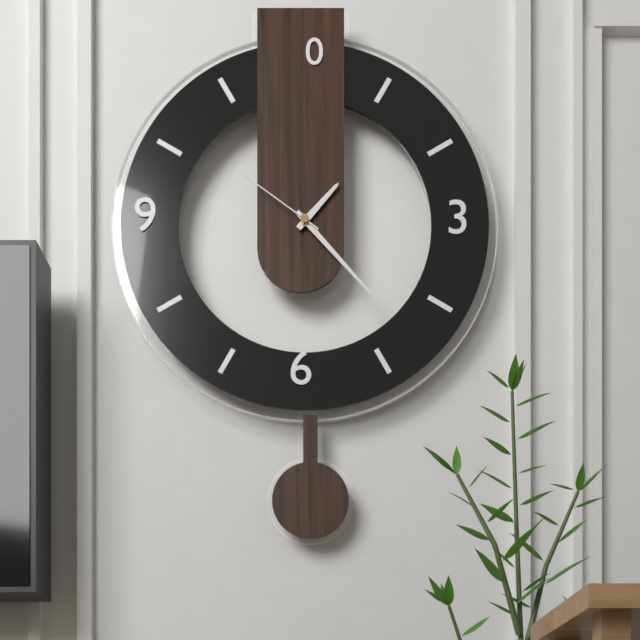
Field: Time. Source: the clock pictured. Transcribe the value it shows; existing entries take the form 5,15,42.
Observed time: 1,23,51
